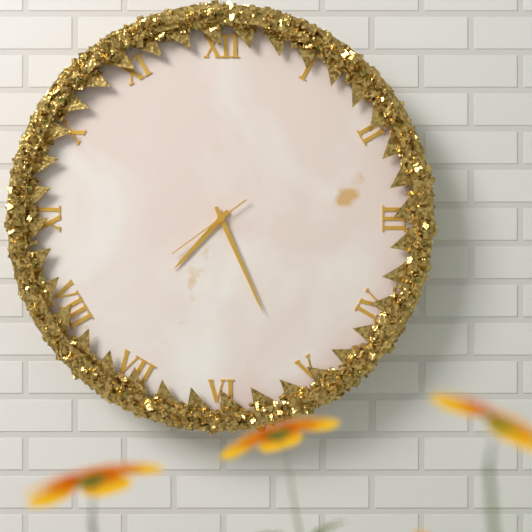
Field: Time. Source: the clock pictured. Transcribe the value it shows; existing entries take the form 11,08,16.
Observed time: 7,26,39
